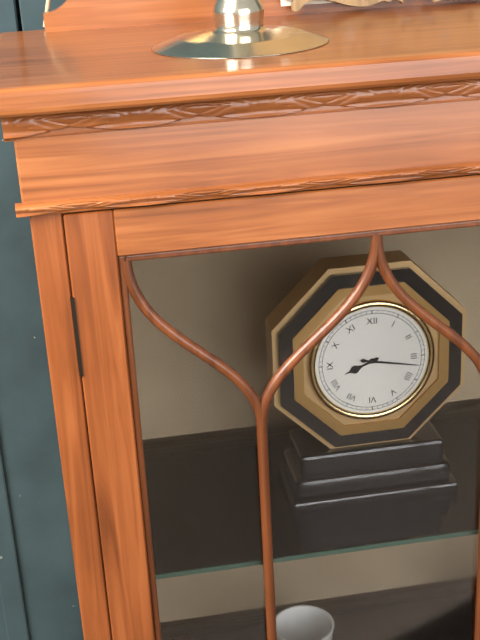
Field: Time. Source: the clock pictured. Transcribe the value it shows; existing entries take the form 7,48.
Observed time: 8,17
